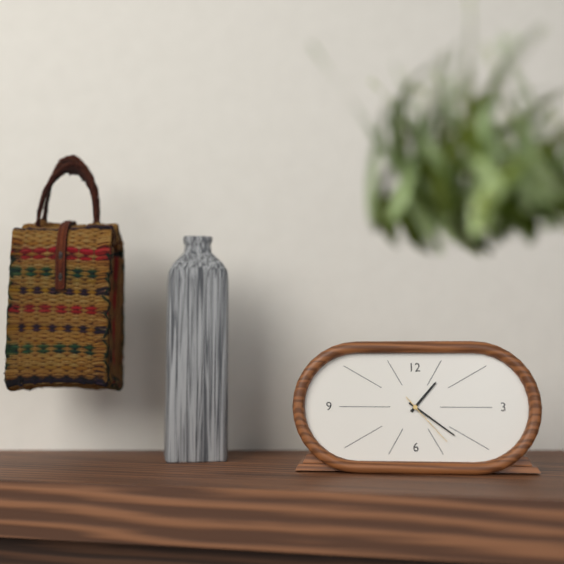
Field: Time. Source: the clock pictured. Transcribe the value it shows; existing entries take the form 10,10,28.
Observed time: 1,21,23
